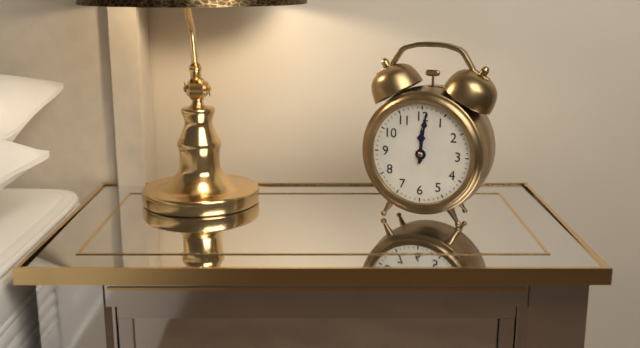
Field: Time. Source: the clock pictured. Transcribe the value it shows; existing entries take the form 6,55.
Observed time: 12,01
